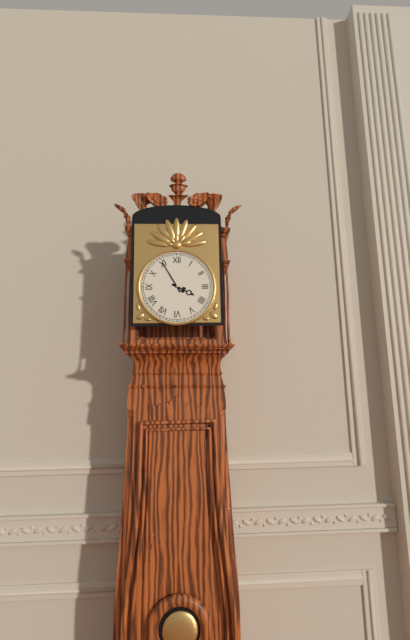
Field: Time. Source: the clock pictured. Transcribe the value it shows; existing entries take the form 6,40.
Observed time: 3,55
